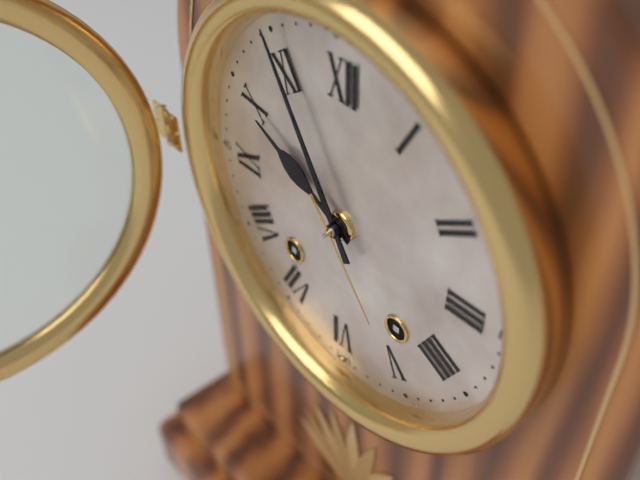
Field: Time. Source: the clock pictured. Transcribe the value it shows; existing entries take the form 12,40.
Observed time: 9,55
